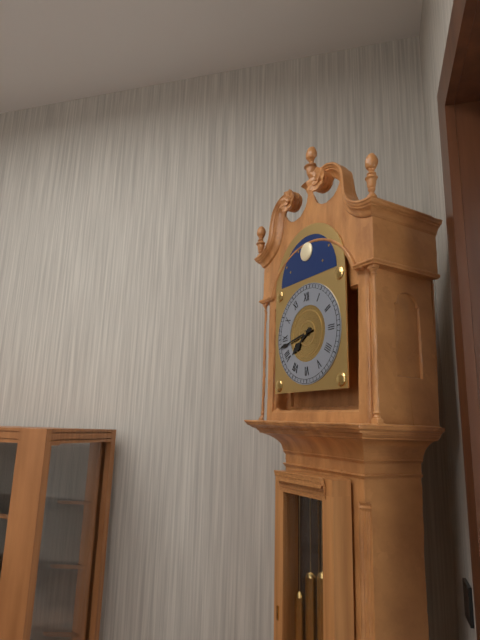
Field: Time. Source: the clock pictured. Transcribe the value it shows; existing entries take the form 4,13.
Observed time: 7,43
